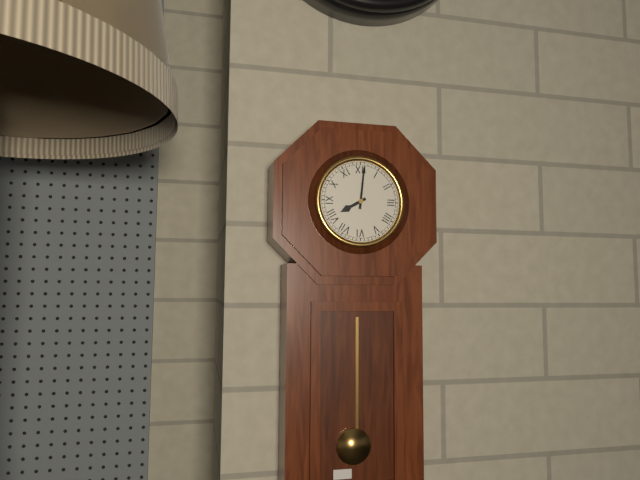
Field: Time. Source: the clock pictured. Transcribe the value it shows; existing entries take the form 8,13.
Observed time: 8,01
